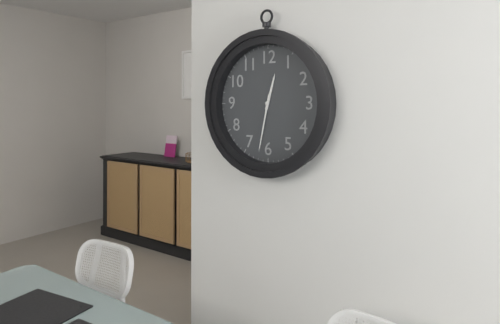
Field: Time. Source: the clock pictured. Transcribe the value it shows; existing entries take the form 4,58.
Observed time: 12,32
